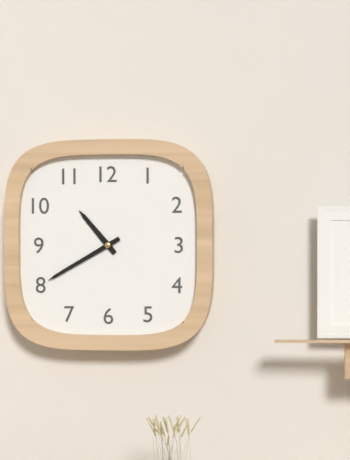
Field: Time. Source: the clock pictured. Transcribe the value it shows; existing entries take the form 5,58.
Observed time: 10,40
